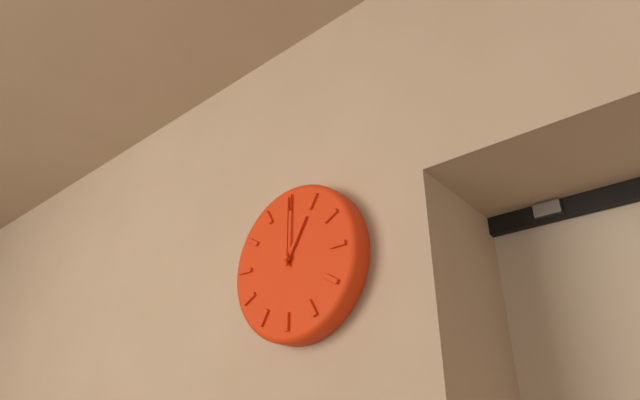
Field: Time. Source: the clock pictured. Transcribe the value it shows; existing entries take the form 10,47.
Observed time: 1,00
